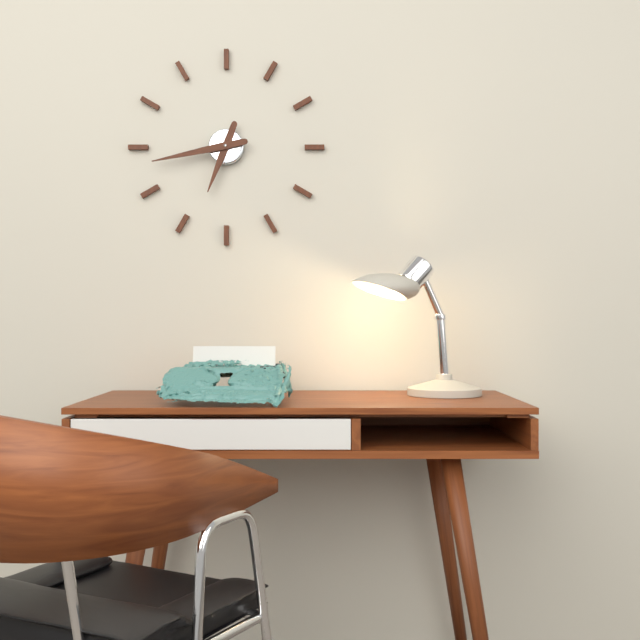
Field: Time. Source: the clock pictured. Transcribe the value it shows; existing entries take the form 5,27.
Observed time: 6,43
